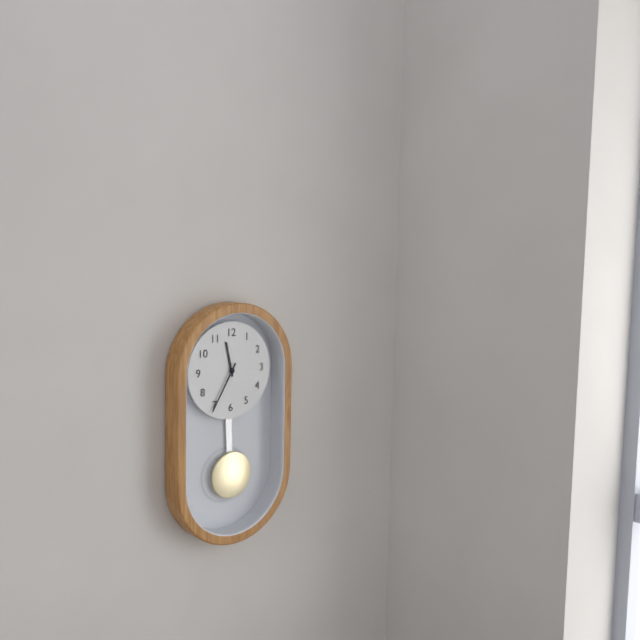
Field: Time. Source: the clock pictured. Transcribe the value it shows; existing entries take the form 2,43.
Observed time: 11,35
